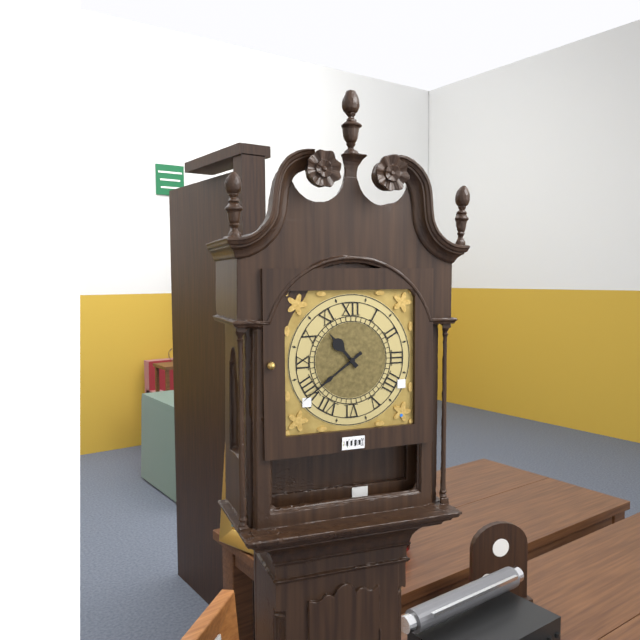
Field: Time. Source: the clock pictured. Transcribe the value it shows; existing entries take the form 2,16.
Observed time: 10,39
